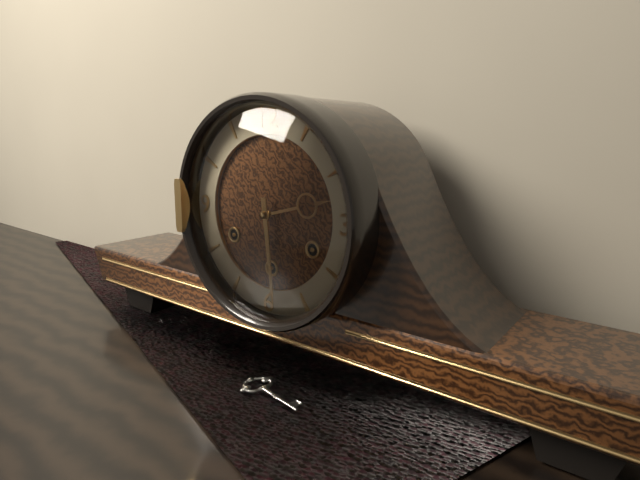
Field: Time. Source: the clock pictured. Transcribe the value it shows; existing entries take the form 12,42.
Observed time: 2,29
